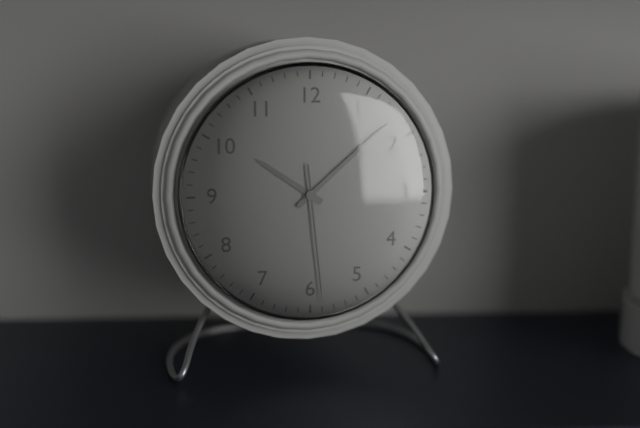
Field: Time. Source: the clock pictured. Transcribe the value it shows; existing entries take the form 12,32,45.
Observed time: 10,08,29
